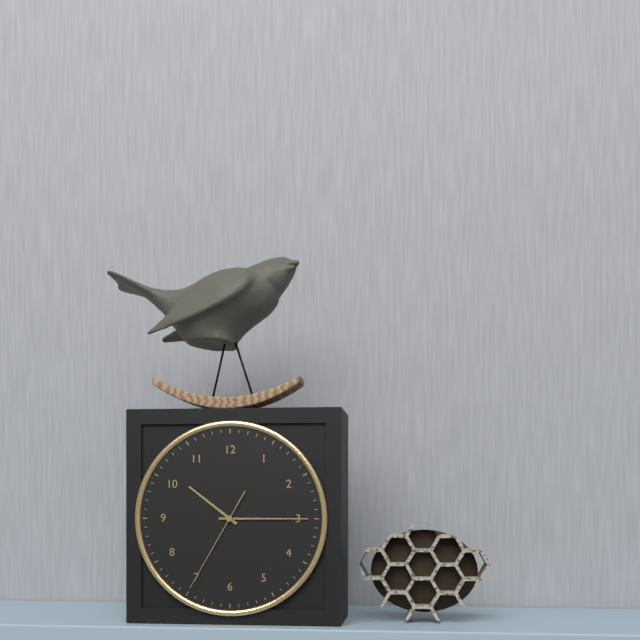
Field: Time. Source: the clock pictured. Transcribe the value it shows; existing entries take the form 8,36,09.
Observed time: 10,15,35
